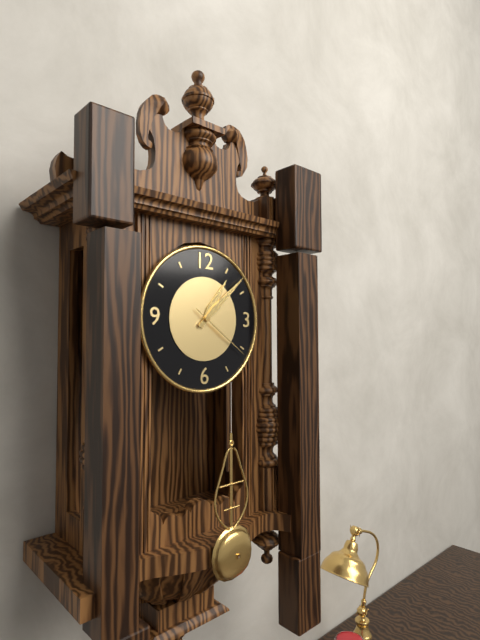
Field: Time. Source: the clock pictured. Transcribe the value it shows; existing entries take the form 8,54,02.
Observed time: 1,08,21
